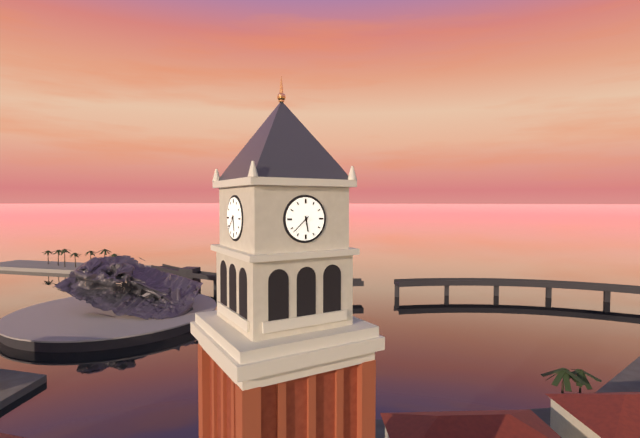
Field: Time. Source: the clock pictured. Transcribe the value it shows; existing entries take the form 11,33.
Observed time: 5,38
